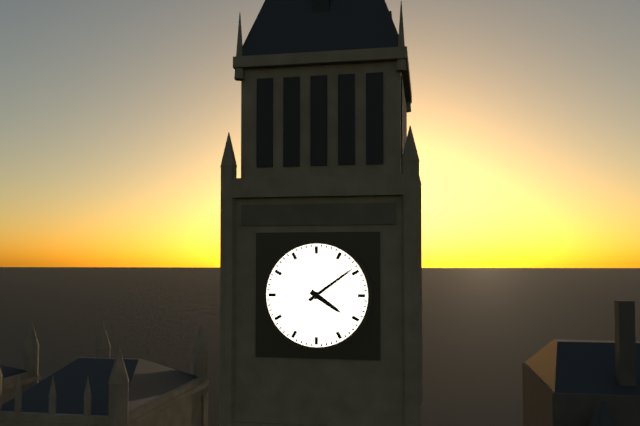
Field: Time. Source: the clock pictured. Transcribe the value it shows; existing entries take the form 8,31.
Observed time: 4,09
